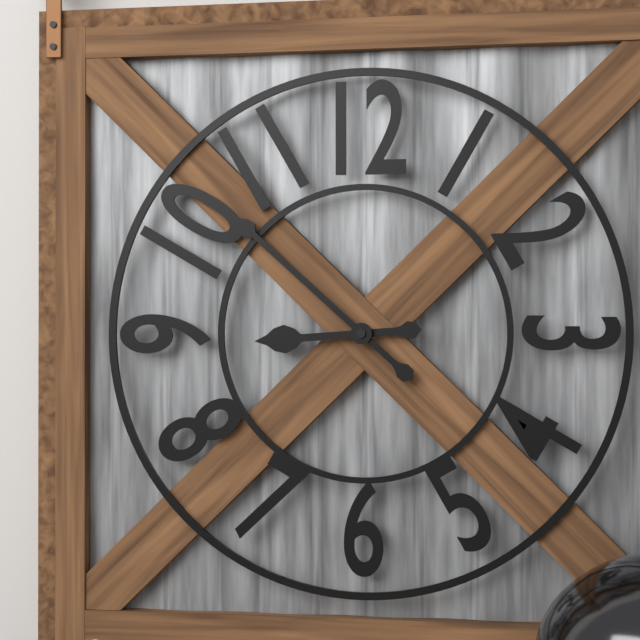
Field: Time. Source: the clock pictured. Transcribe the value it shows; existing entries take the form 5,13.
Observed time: 8,52
